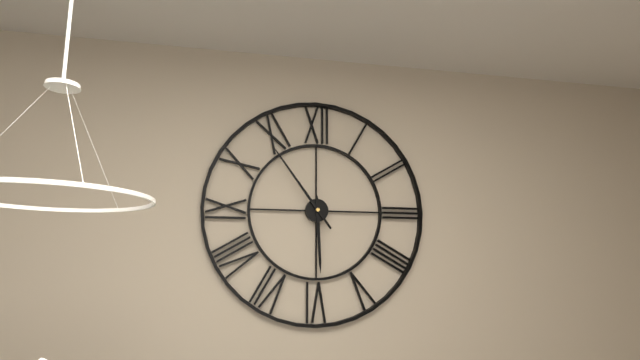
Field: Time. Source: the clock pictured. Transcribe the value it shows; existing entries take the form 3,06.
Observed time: 5,54
